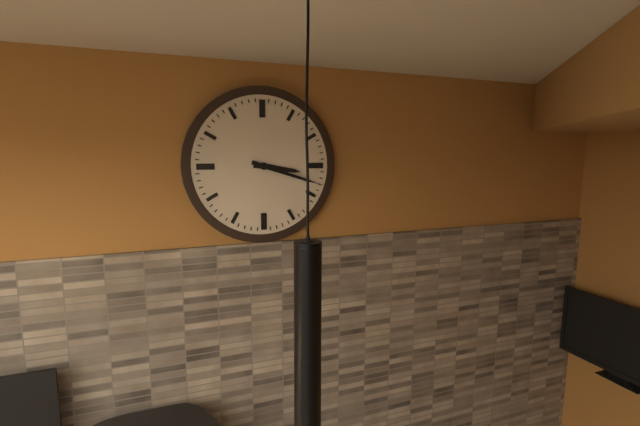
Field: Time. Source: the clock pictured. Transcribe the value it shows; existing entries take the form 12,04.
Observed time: 3,18
